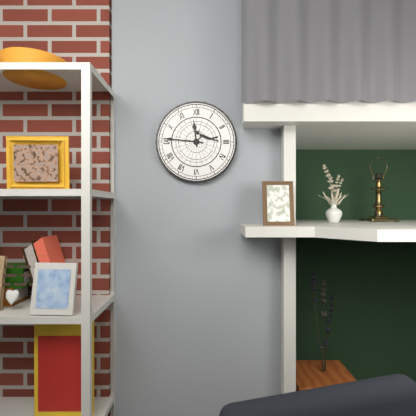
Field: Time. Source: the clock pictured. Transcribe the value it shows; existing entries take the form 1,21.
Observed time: 11,46
